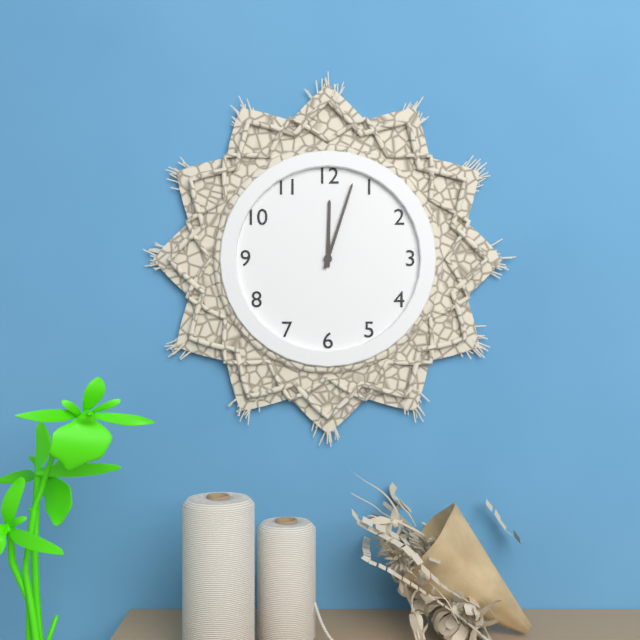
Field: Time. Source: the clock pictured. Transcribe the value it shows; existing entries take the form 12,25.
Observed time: 12,03
